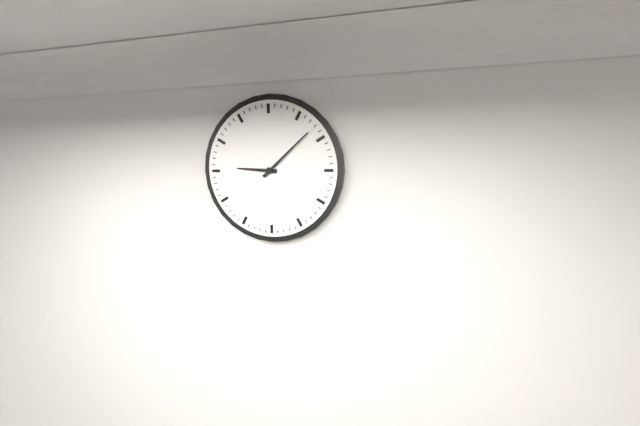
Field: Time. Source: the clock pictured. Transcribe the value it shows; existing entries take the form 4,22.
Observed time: 9,08
